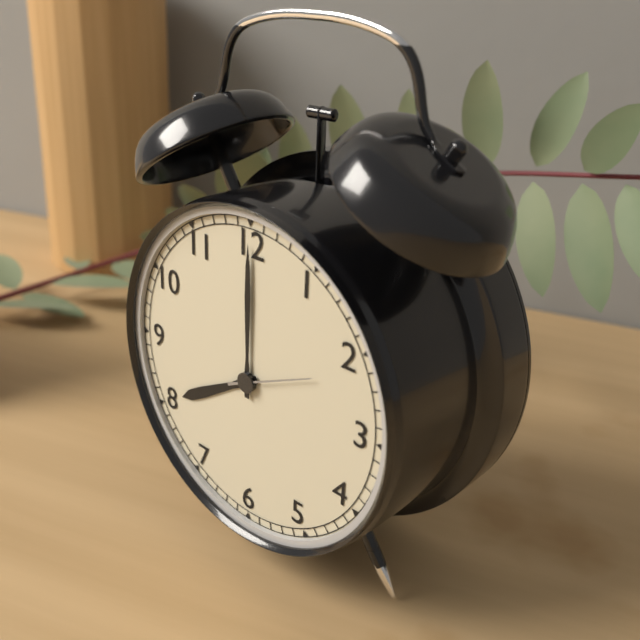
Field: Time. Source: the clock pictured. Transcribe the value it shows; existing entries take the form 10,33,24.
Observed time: 8,00,11
